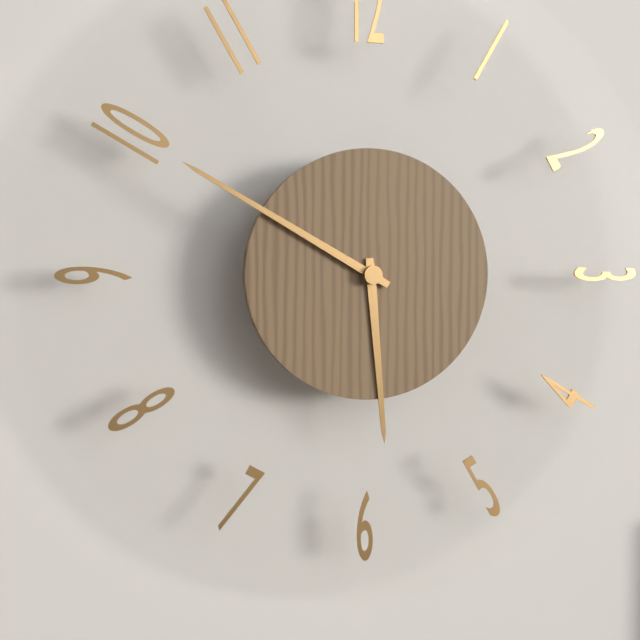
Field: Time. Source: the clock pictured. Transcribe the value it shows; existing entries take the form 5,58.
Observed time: 5,50
